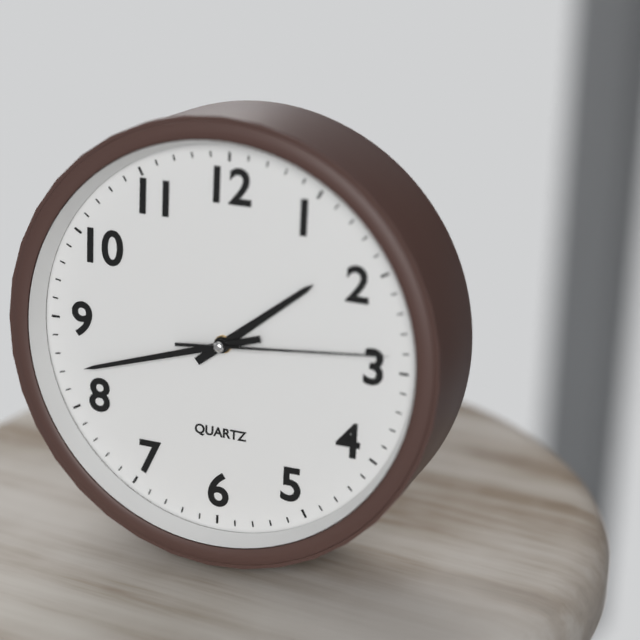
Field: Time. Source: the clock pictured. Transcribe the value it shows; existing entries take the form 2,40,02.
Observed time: 1,42,14
